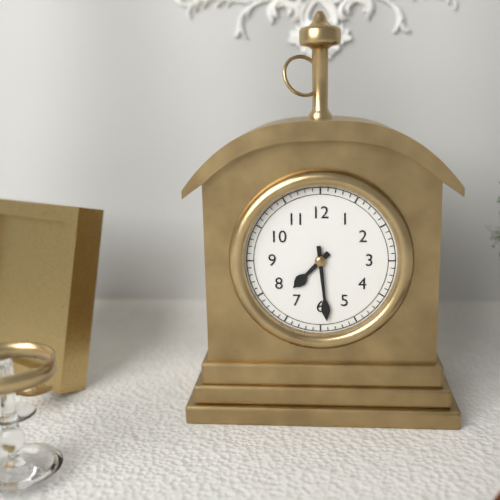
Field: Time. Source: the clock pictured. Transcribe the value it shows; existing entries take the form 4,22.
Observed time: 7,29
